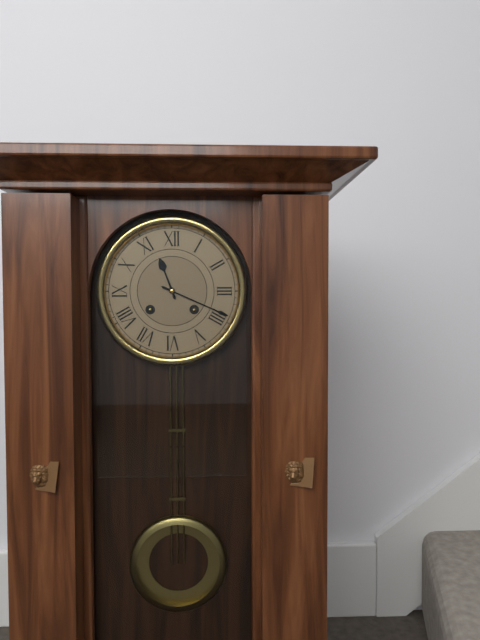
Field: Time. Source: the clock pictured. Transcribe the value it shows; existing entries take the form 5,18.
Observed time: 11,19
